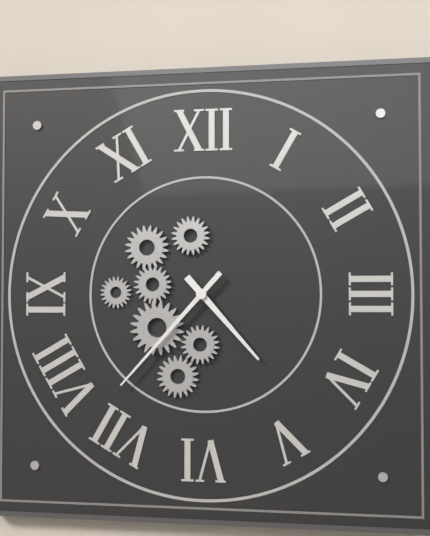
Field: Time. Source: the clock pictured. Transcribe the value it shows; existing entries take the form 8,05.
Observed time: 4,37
